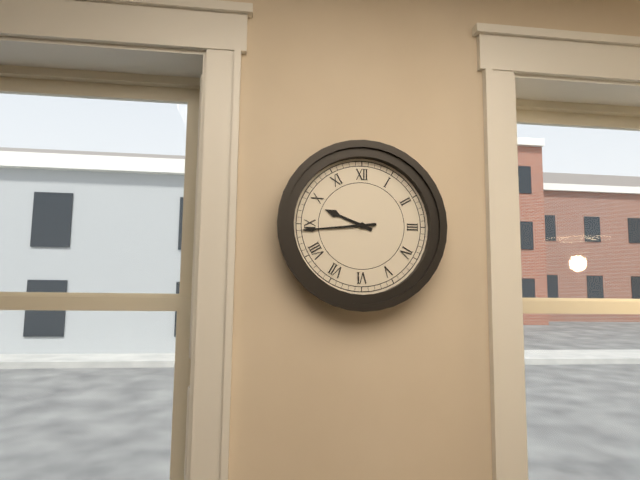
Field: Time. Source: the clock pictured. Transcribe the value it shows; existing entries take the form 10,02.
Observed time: 9,44
